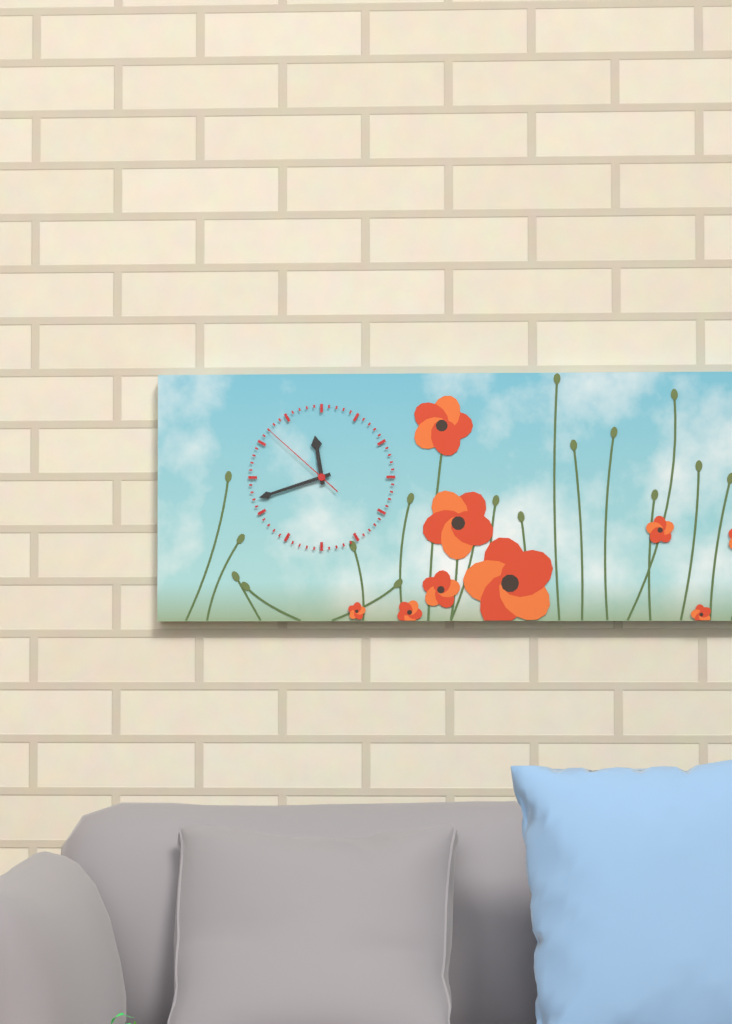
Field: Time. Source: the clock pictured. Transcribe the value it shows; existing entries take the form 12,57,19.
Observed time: 11,42,52
